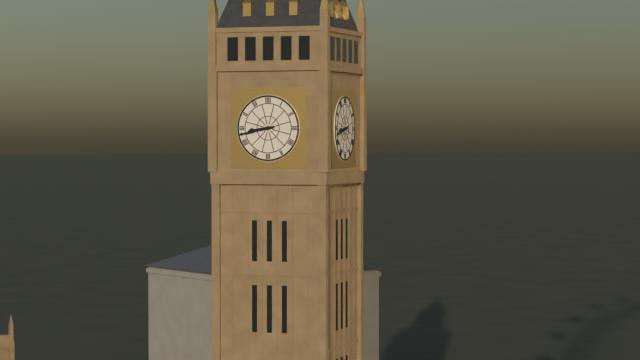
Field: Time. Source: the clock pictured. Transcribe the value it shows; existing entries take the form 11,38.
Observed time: 8,43
